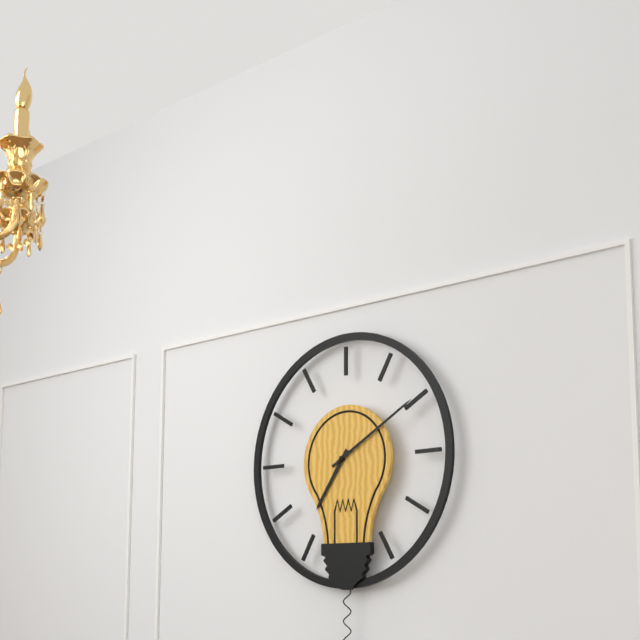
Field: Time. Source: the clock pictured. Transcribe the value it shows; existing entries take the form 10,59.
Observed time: 7,10
